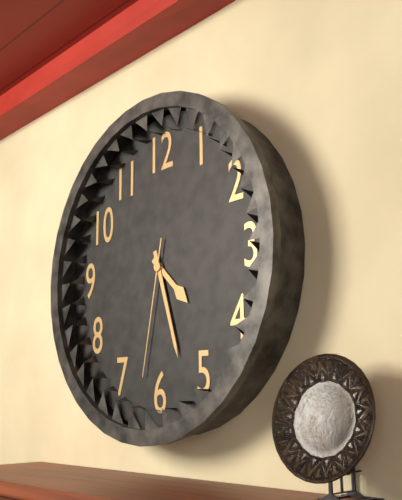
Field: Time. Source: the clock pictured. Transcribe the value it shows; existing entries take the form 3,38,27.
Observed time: 4,27,32
